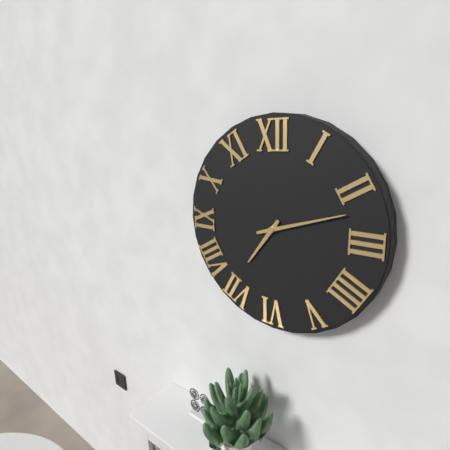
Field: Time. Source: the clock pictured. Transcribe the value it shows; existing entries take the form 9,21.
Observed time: 7,12
